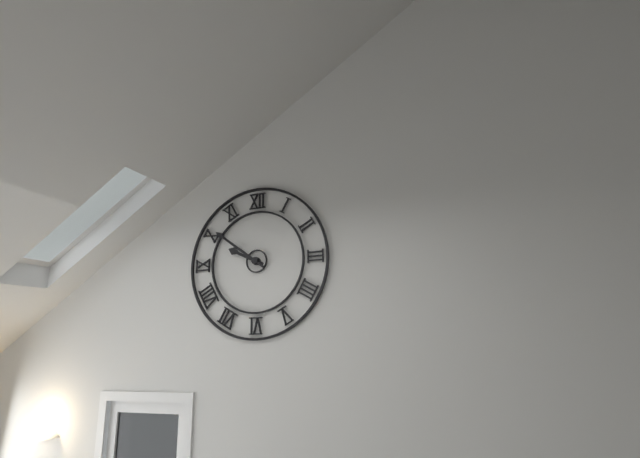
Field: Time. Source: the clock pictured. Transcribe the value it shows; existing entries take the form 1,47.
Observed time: 9,51
